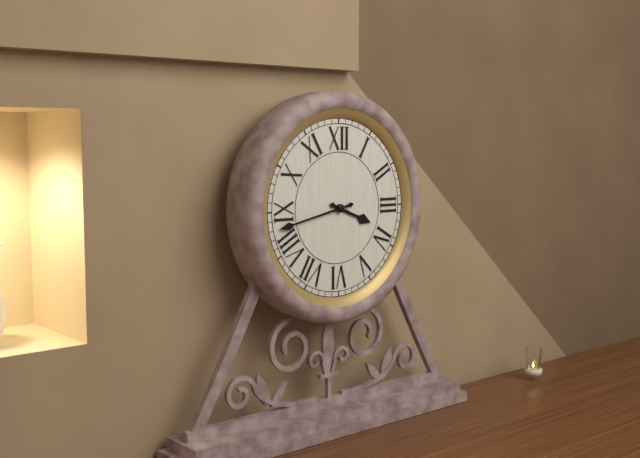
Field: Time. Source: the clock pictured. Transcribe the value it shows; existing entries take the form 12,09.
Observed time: 3,43
